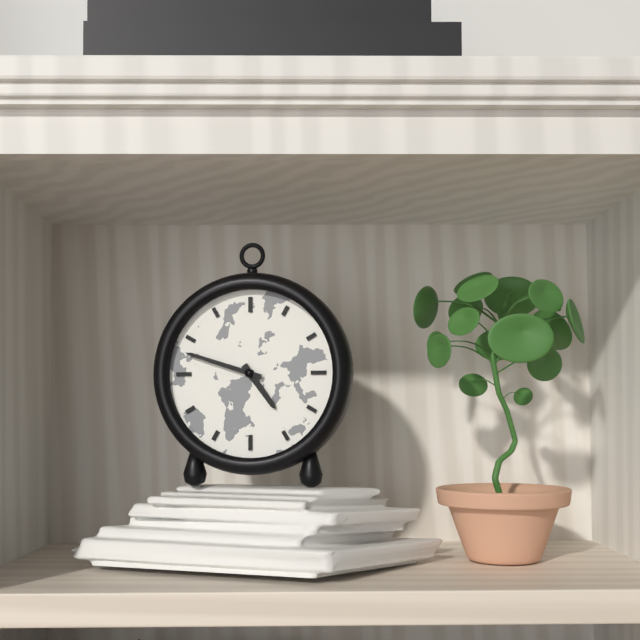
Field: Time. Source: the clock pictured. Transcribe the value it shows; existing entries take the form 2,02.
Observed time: 4,48
